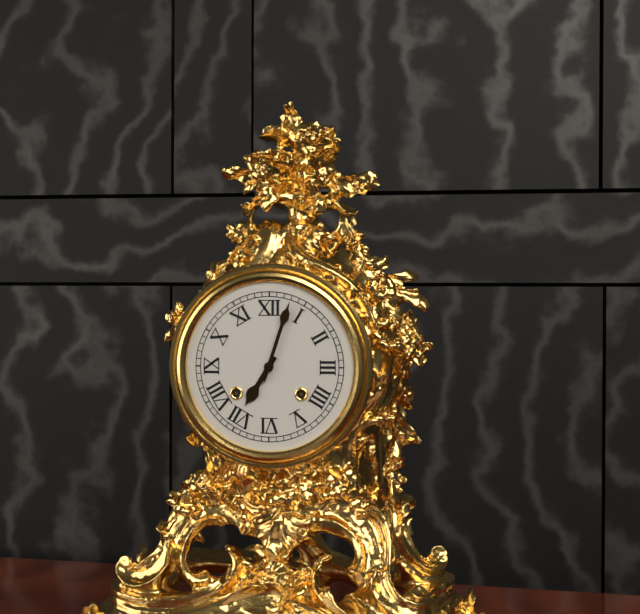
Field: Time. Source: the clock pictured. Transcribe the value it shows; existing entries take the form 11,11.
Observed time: 7,03
